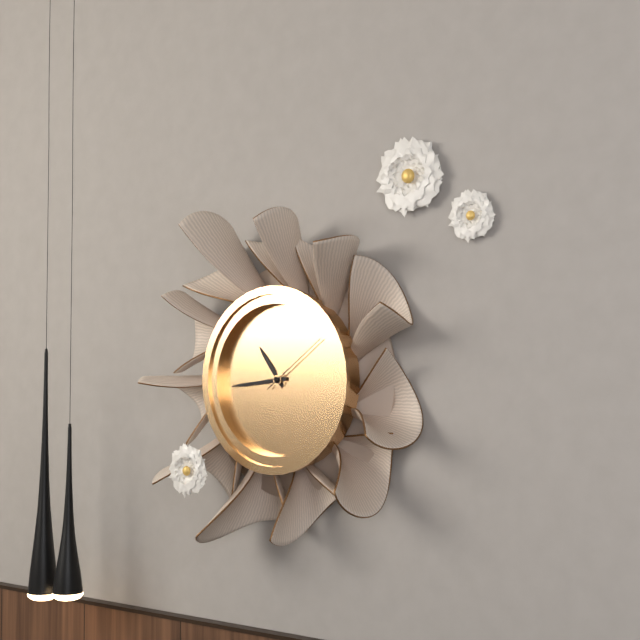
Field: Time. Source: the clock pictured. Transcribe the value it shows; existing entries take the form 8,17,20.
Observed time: 10,44,09
